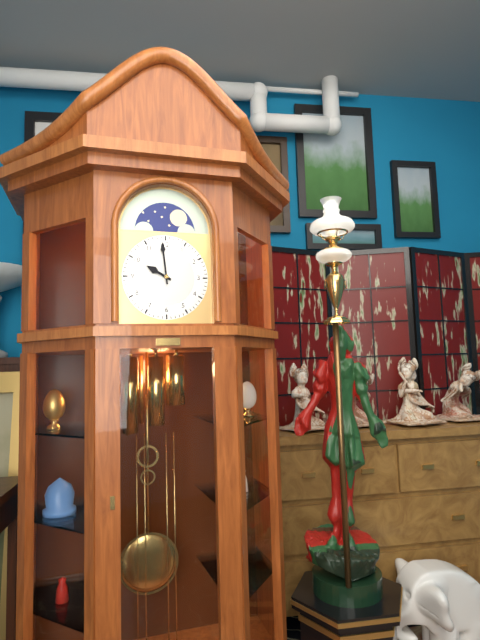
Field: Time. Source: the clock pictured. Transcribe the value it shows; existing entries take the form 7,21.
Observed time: 9,59
